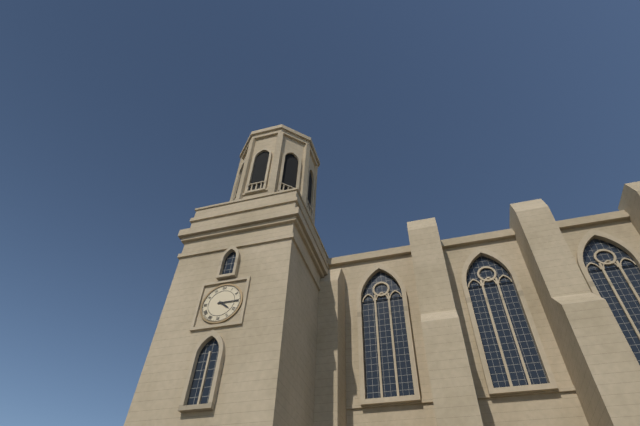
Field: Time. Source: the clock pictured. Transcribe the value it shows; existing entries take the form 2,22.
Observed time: 4,15
